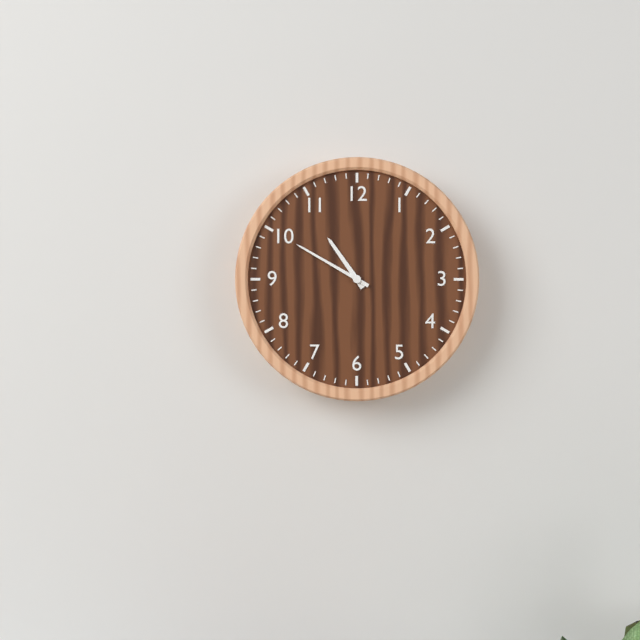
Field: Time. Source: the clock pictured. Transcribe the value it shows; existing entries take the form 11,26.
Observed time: 10,50
